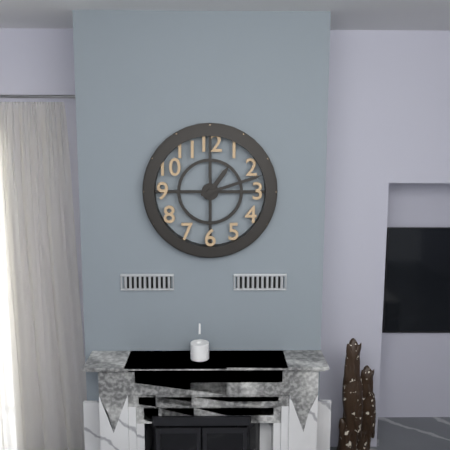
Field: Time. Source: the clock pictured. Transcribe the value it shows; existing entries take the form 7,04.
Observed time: 1,12
